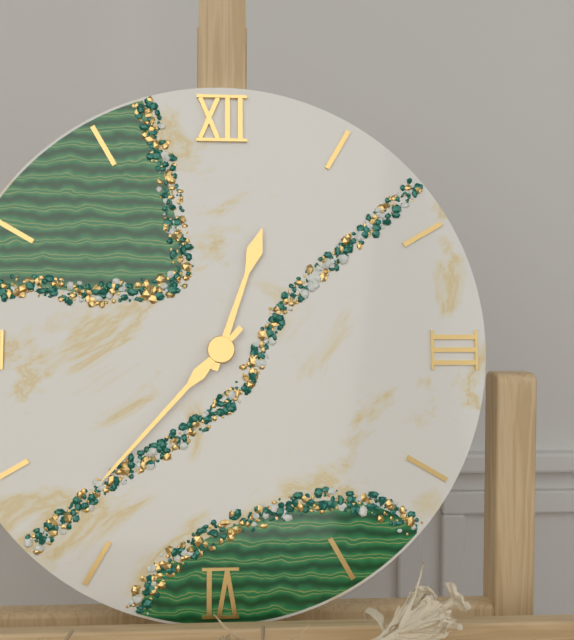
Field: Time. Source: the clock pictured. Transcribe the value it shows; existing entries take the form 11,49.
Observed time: 12,37
